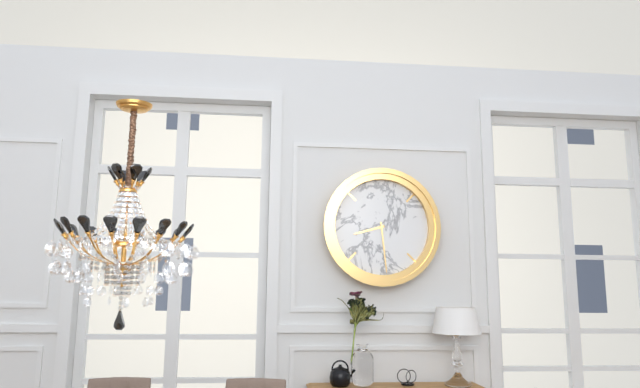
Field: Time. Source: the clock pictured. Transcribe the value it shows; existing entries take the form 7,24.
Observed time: 8,29
